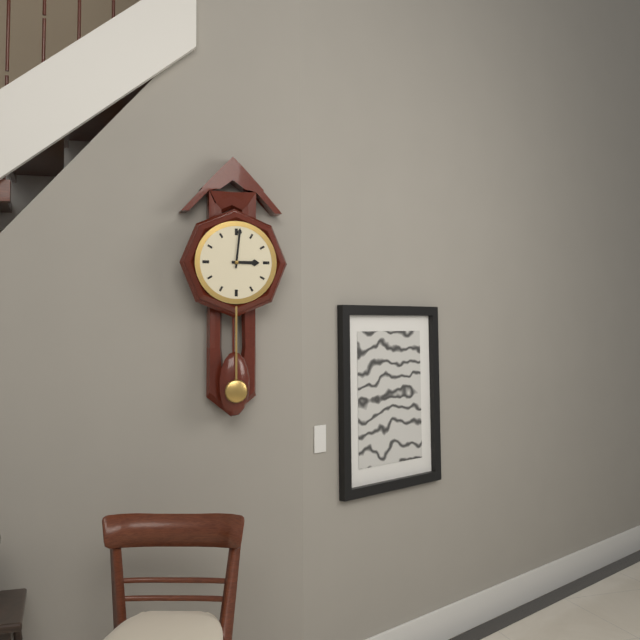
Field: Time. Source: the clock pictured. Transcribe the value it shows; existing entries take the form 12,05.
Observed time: 3,01
